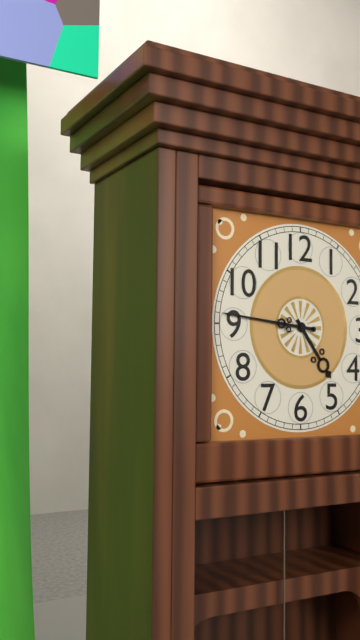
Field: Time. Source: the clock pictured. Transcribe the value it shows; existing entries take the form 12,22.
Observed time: 4,46
